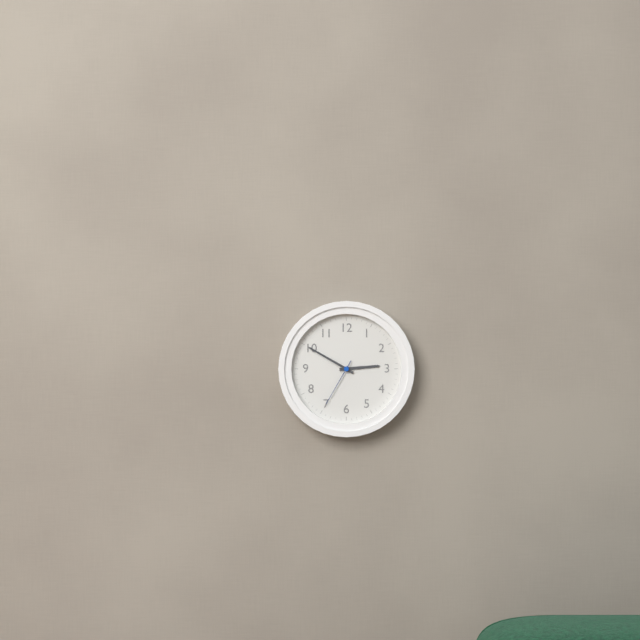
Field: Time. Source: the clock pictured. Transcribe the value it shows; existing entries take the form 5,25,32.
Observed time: 2,50,35
